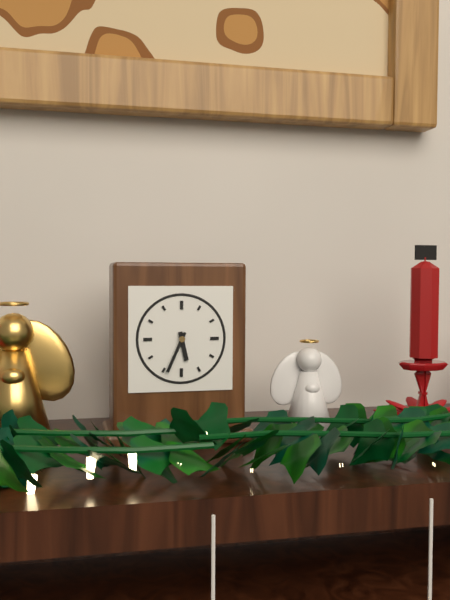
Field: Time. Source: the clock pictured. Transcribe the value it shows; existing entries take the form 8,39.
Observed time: 5,34
